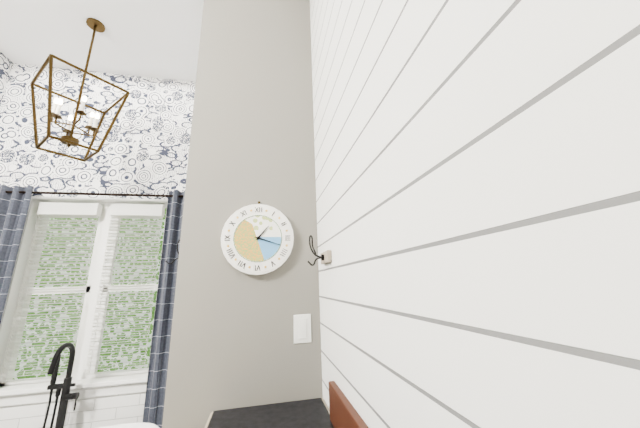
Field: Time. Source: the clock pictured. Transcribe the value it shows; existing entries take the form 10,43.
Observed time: 1,18
